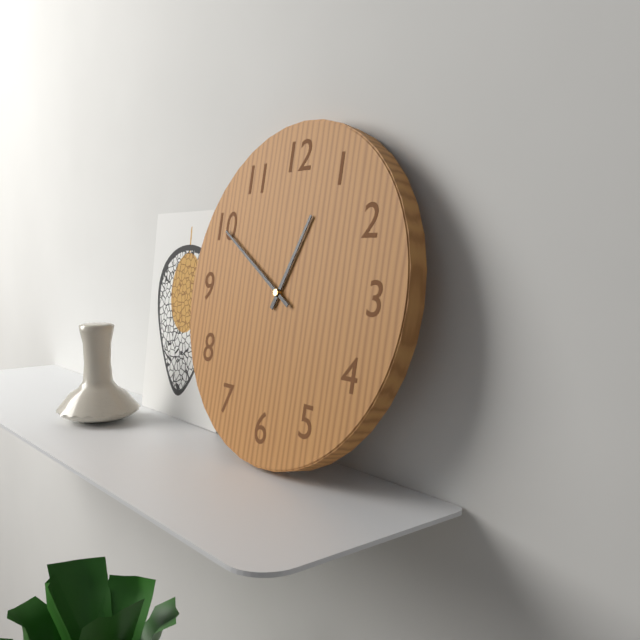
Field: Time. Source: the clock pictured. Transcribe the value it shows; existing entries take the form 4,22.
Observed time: 12,50
